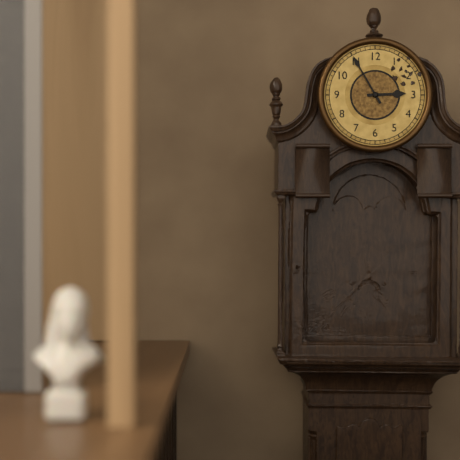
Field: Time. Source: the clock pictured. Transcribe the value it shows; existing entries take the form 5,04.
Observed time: 2,55
